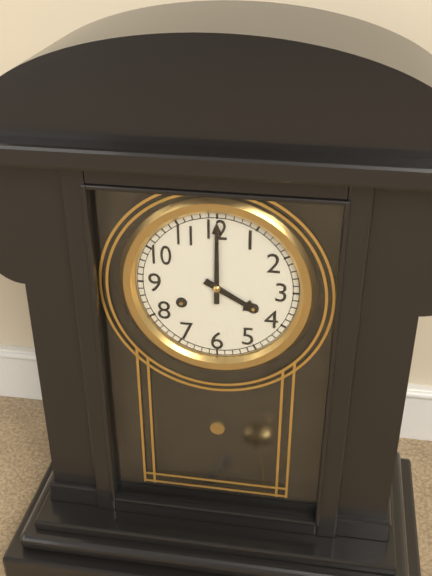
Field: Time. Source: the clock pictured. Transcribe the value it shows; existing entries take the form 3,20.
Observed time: 4,00
